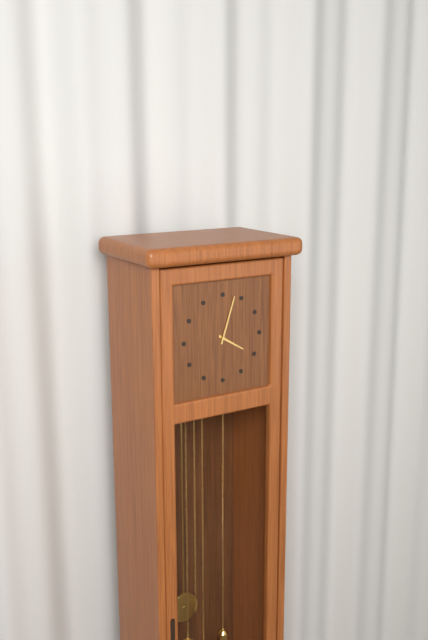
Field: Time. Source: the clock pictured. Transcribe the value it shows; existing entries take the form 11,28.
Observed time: 4,03
